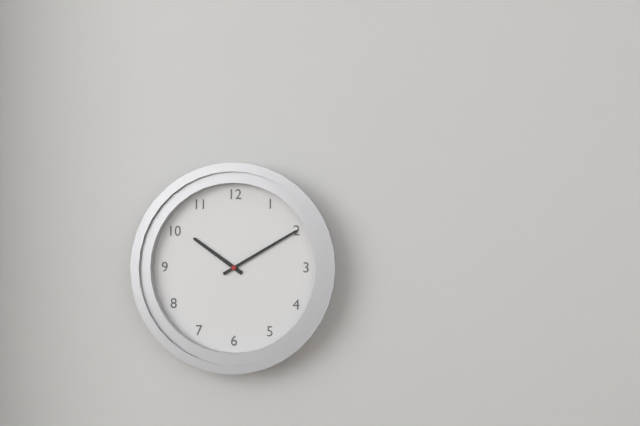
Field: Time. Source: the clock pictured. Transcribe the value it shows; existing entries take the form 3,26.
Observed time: 10,10
